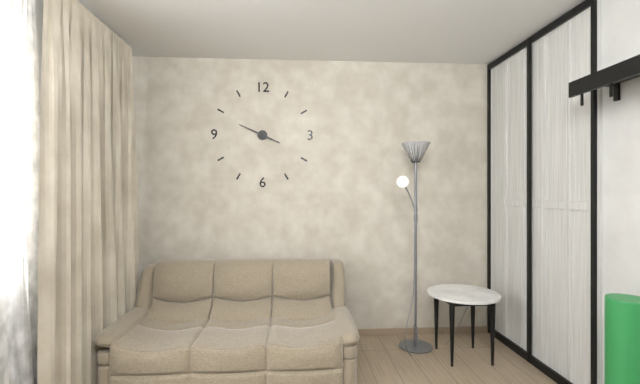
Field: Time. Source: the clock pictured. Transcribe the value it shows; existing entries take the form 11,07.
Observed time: 3,49
